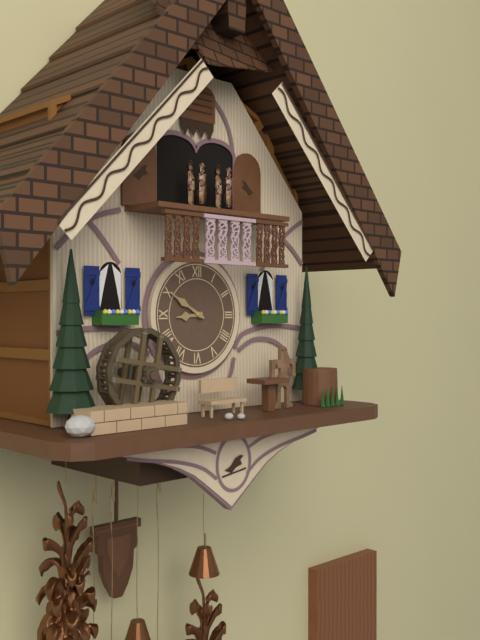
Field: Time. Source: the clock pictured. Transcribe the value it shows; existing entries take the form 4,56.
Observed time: 8,50
